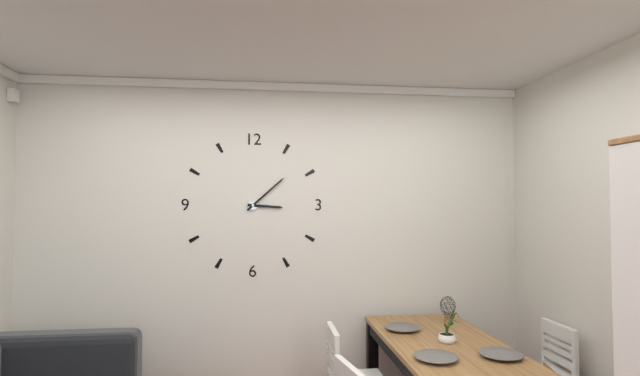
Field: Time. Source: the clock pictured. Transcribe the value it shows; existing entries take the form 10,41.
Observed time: 3,08
